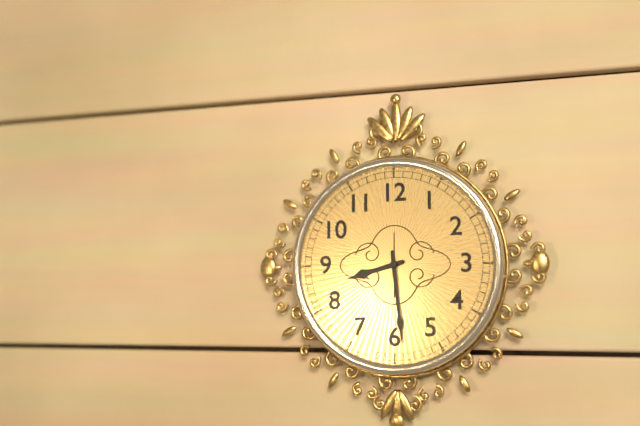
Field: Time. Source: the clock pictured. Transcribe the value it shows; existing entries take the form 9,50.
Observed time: 8,29
